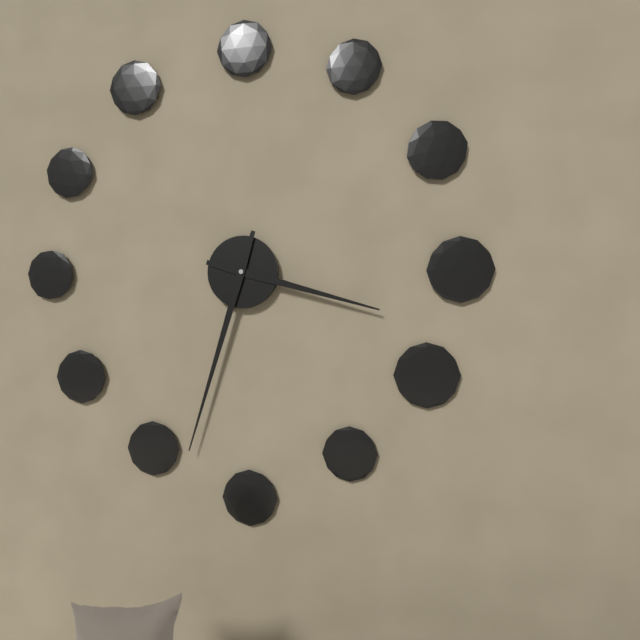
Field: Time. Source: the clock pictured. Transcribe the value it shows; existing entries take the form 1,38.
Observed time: 3,33
